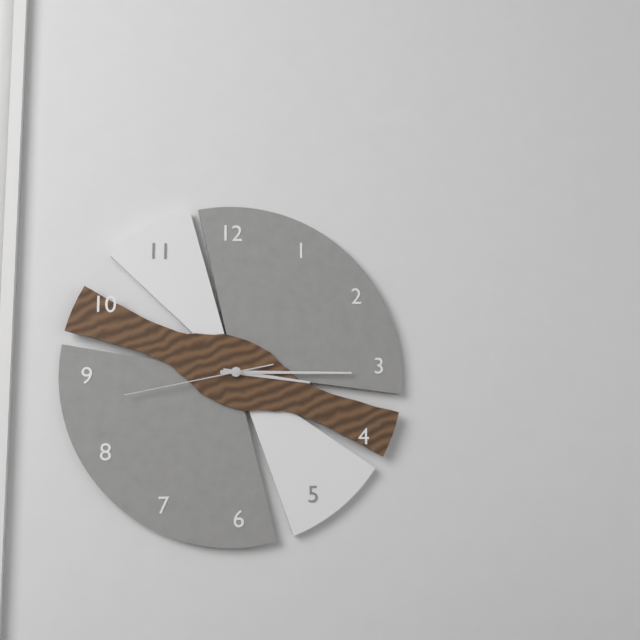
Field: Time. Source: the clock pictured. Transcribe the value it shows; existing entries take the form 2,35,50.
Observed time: 3,15,43
